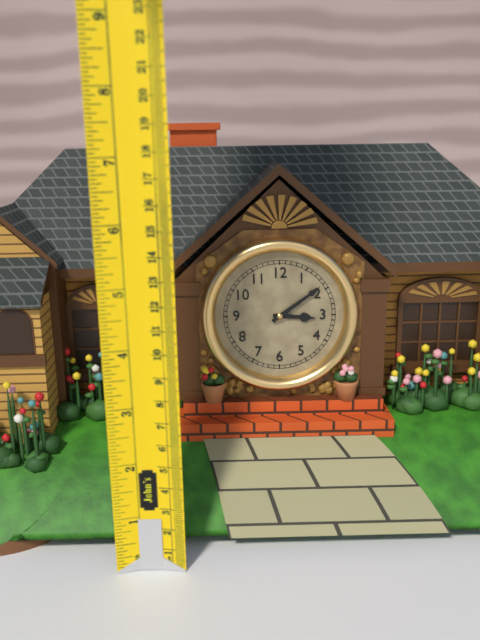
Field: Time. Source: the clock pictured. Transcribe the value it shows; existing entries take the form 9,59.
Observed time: 3,09
